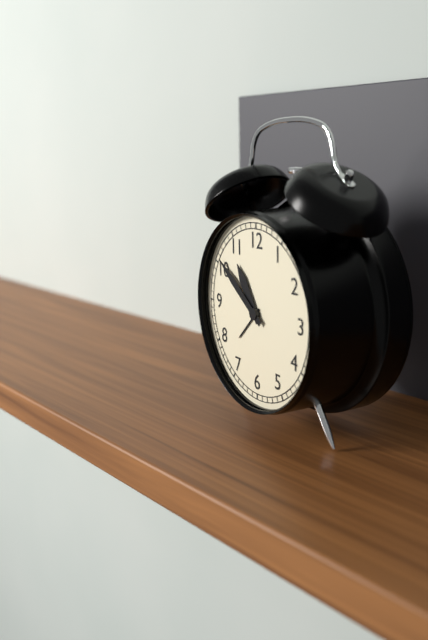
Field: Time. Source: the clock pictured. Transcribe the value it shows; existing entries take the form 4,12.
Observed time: 10,51
